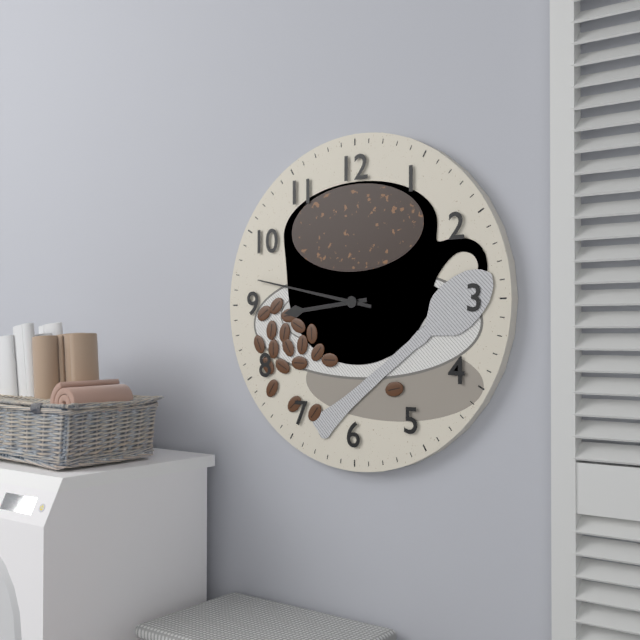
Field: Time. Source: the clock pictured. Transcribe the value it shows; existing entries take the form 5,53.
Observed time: 8,47
